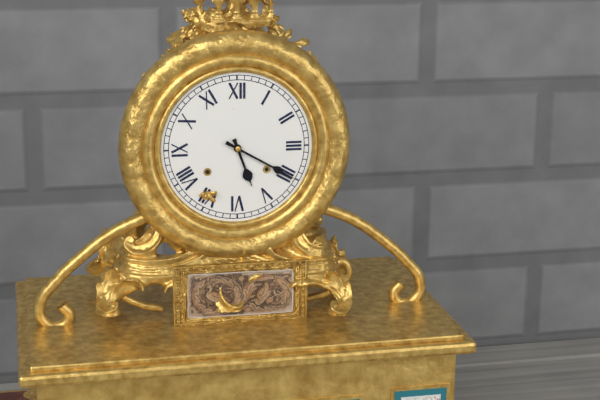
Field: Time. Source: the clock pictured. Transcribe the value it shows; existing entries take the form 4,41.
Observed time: 5,20
